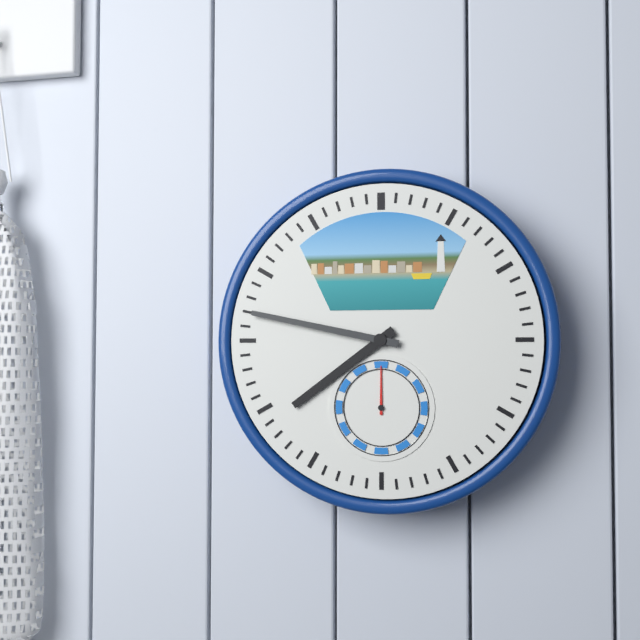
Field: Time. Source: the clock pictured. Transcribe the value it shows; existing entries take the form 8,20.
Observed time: 7,47
